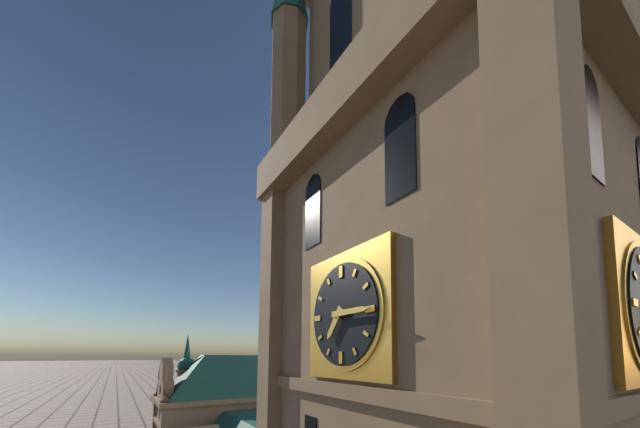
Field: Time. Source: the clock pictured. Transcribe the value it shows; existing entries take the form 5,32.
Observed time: 7,15
